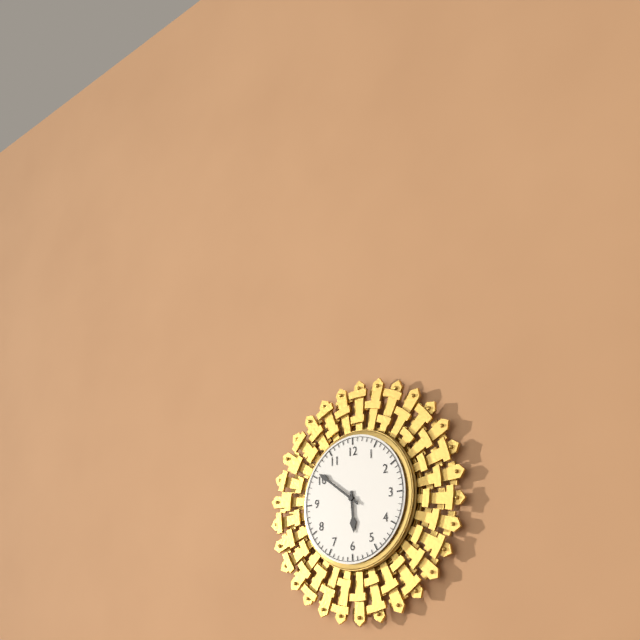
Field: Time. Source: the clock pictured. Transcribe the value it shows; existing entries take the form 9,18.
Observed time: 5,51
